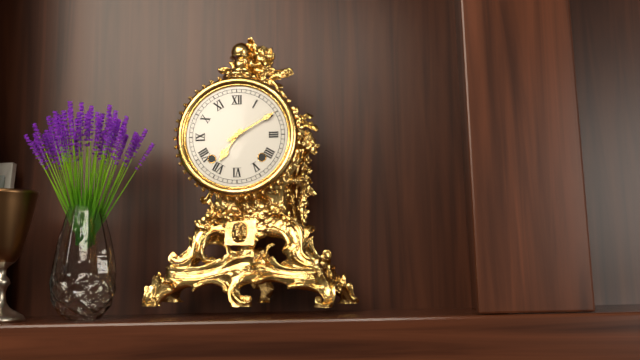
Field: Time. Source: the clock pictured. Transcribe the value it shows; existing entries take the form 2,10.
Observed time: 7,10
